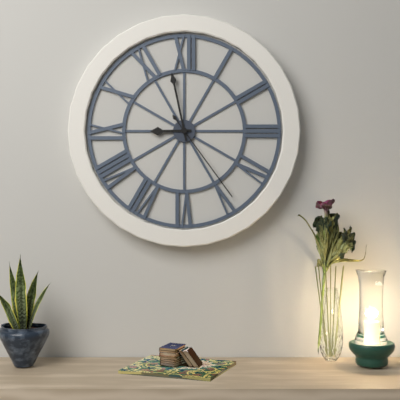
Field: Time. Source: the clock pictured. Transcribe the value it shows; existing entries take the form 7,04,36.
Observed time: 8,58,24
